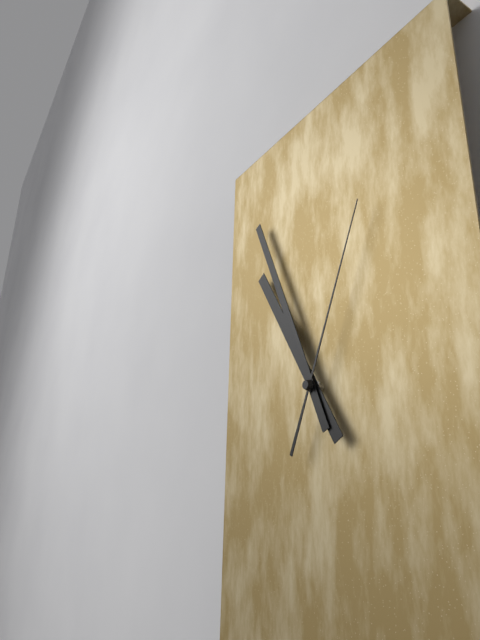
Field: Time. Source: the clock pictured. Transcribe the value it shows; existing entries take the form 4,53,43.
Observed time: 10,56,04
